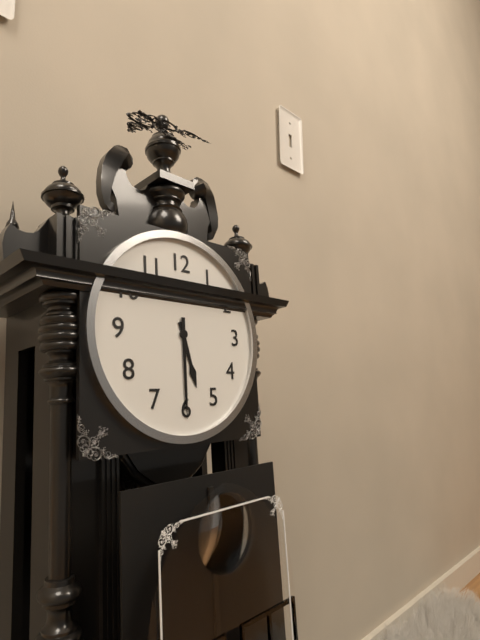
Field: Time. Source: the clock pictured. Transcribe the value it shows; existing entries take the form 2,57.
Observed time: 5,30
